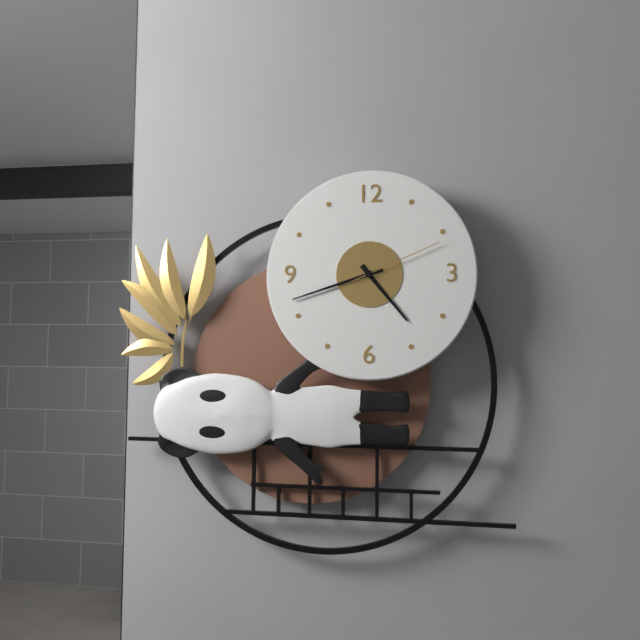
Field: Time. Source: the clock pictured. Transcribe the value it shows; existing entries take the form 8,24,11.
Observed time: 4,42,11
